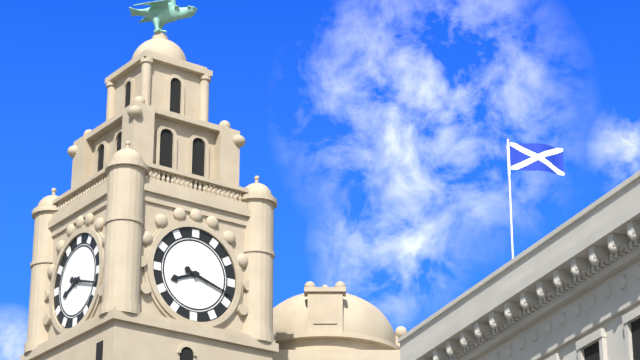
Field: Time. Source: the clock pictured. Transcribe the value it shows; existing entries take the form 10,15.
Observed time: 8,18
